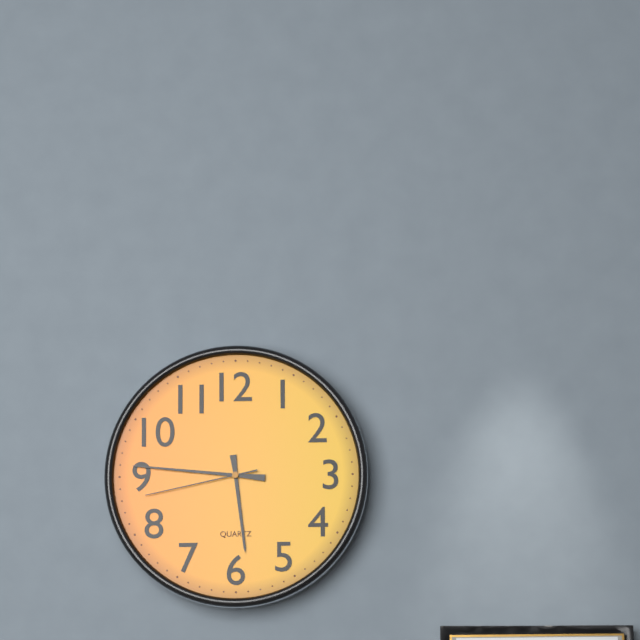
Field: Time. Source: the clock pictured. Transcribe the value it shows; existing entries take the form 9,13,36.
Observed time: 5,46,43
